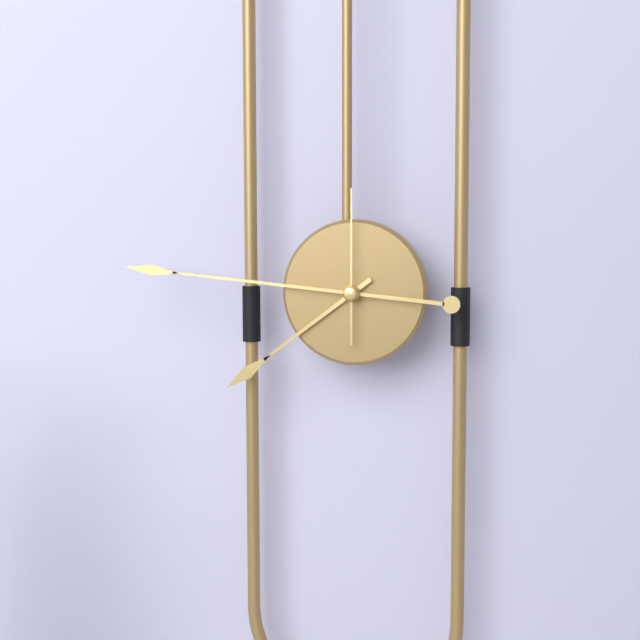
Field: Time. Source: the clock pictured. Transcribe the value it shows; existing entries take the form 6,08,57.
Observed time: 7,46,00
